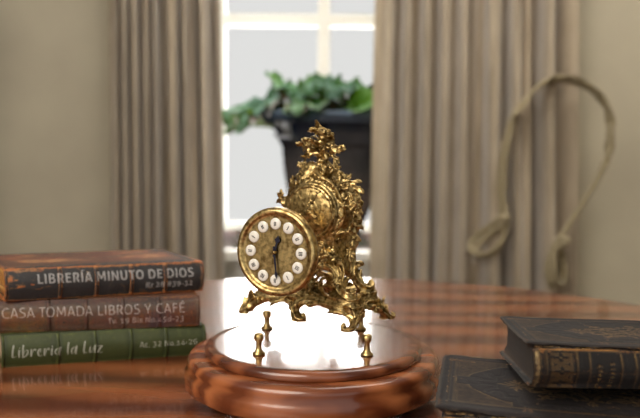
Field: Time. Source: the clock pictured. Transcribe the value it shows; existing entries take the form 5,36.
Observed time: 12,29
